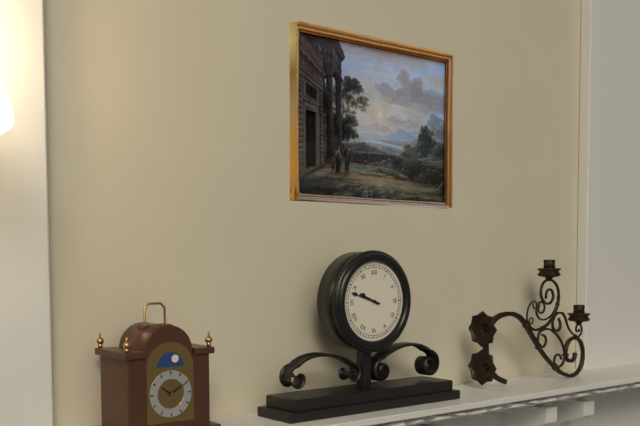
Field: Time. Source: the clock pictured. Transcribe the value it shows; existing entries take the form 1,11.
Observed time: 9,48
